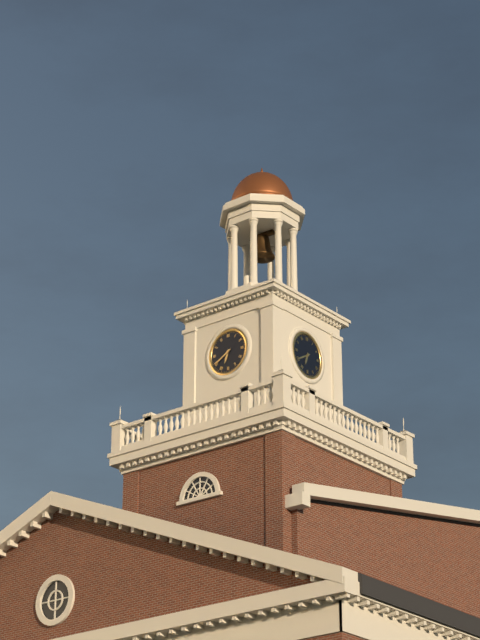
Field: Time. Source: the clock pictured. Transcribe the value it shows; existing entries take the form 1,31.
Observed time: 6,40
